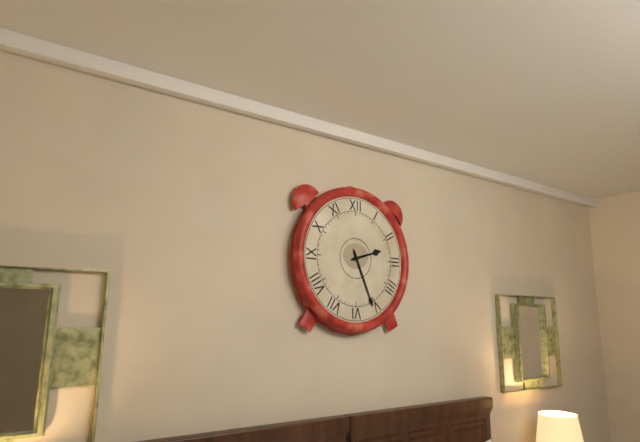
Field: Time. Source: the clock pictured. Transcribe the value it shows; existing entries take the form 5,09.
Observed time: 2,26
